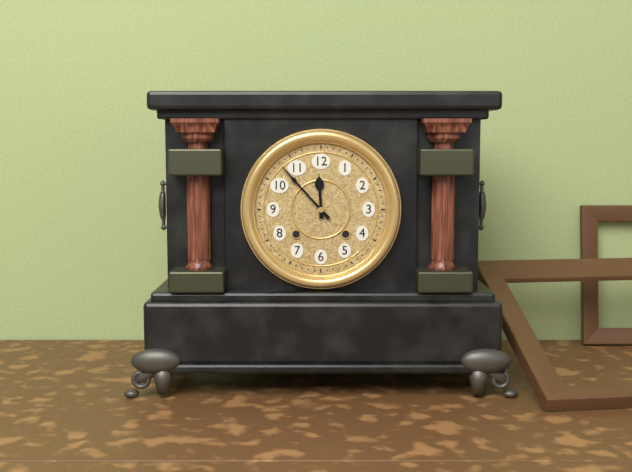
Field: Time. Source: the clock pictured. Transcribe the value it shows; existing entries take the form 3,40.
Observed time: 11,53
